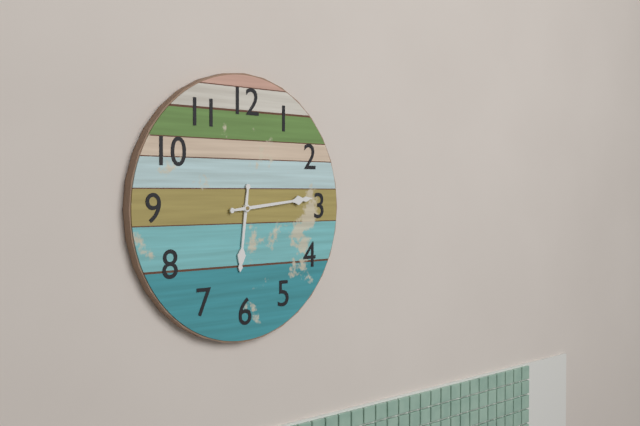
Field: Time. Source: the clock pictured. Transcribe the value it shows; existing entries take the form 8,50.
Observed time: 6,14
